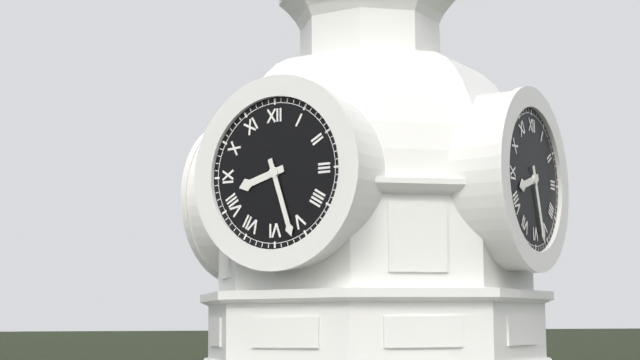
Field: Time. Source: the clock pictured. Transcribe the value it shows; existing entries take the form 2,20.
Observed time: 8,27
